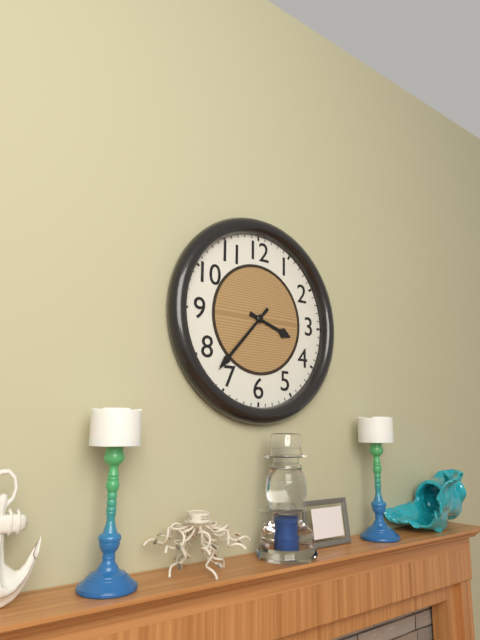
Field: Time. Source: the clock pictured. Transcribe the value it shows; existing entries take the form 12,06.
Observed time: 3,37
